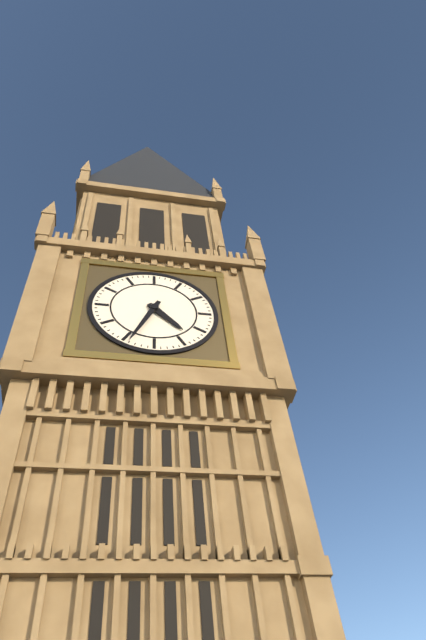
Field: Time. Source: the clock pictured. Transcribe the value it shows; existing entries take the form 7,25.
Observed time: 4,34
